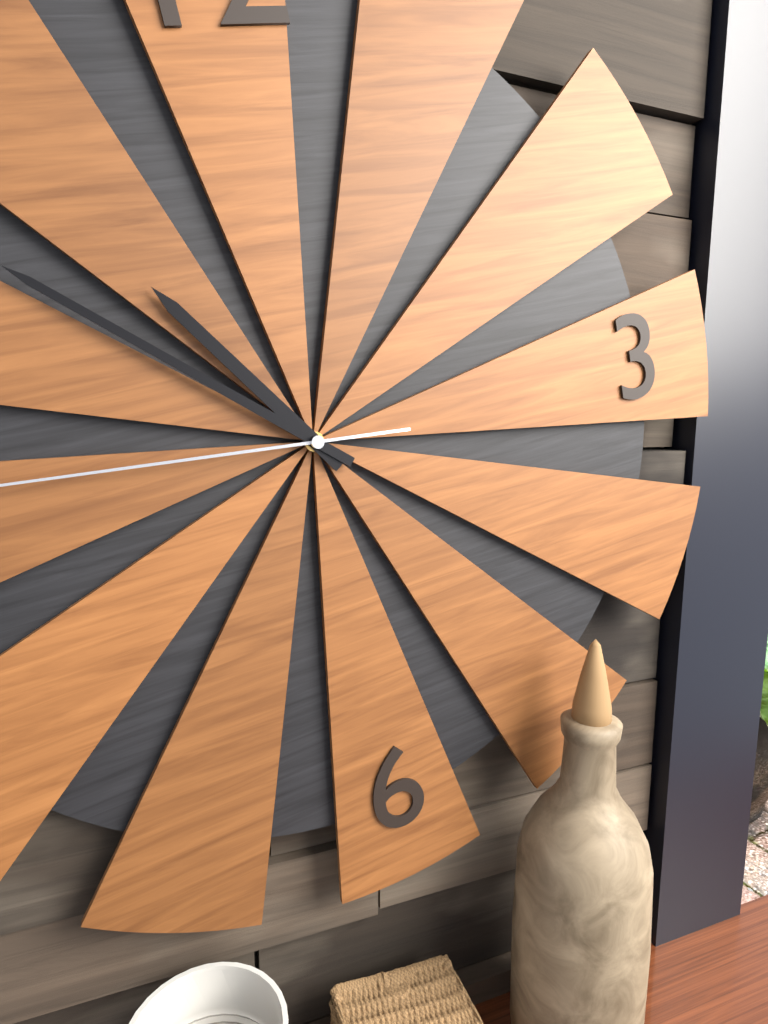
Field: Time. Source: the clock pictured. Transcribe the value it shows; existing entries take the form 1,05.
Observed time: 10,52
